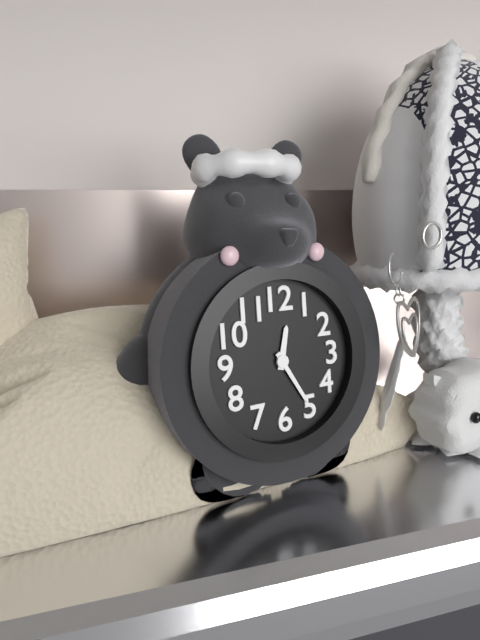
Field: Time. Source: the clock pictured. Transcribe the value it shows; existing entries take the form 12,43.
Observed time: 12,25
